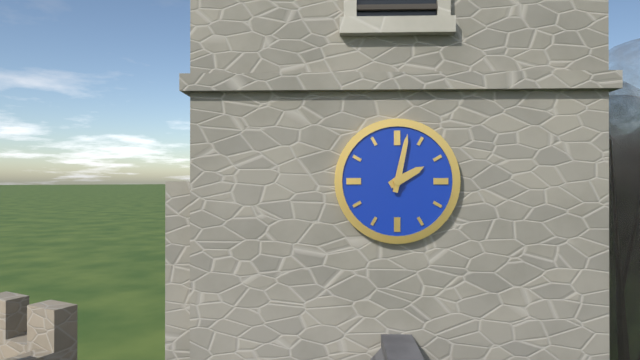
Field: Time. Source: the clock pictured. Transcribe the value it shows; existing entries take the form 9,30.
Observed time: 2,02
